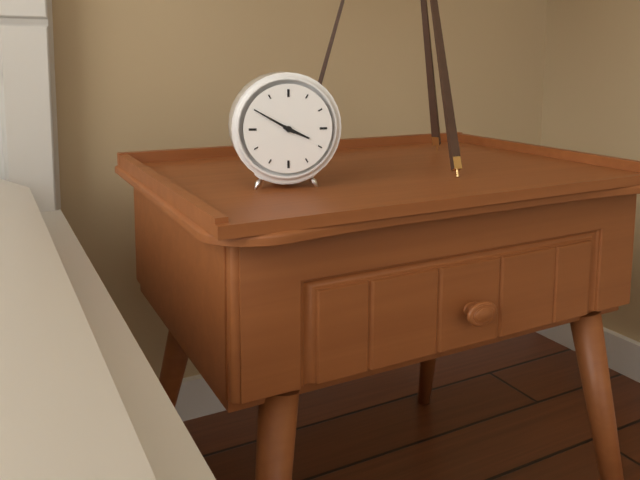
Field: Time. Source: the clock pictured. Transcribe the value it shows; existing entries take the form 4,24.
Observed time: 3,50
